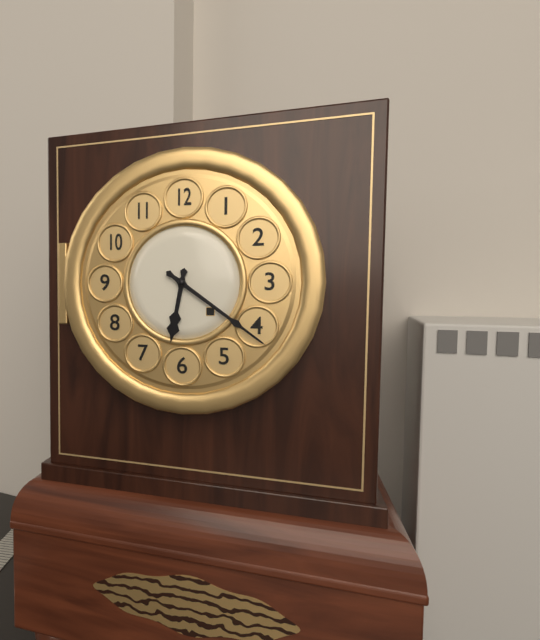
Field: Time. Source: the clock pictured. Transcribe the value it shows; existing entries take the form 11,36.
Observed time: 6,21
